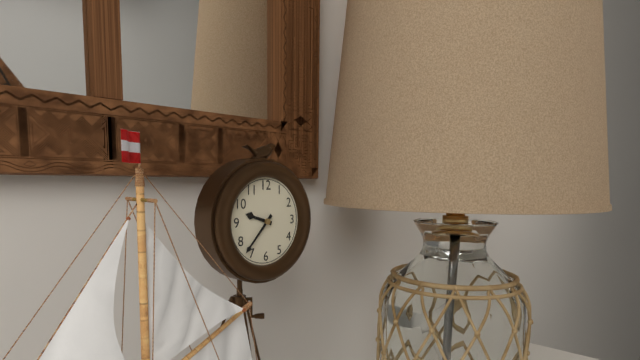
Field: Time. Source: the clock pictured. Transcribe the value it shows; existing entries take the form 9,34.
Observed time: 9,37
